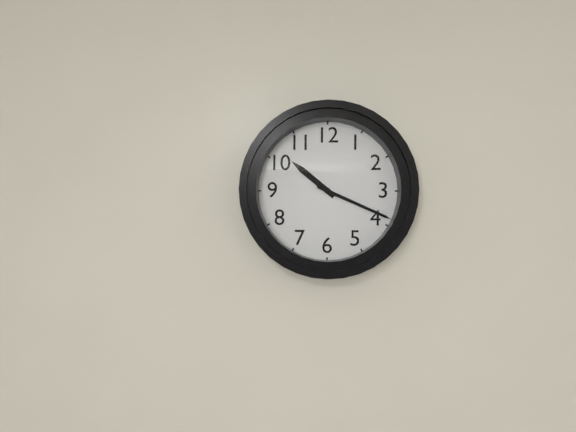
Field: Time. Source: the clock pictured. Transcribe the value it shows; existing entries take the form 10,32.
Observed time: 10,19
